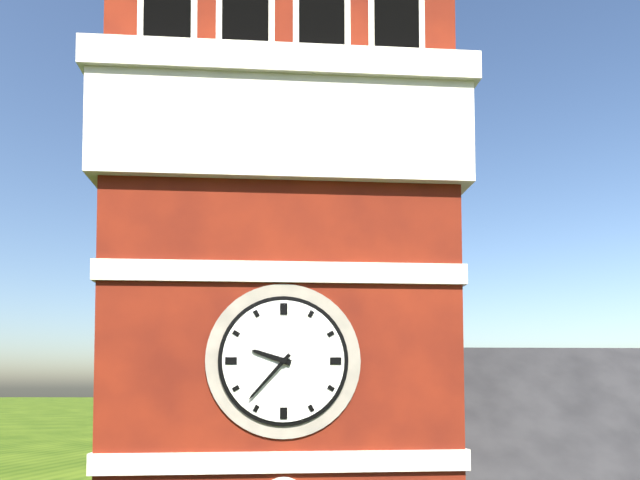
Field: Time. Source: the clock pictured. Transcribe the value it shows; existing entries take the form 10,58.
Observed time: 9,37
